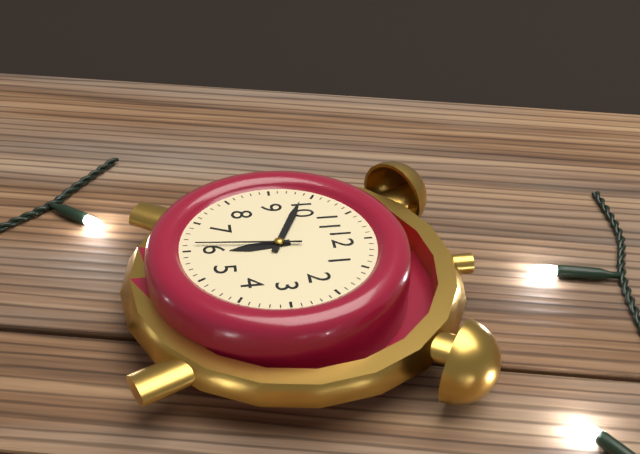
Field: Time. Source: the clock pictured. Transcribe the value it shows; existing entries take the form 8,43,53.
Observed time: 5,49,31
